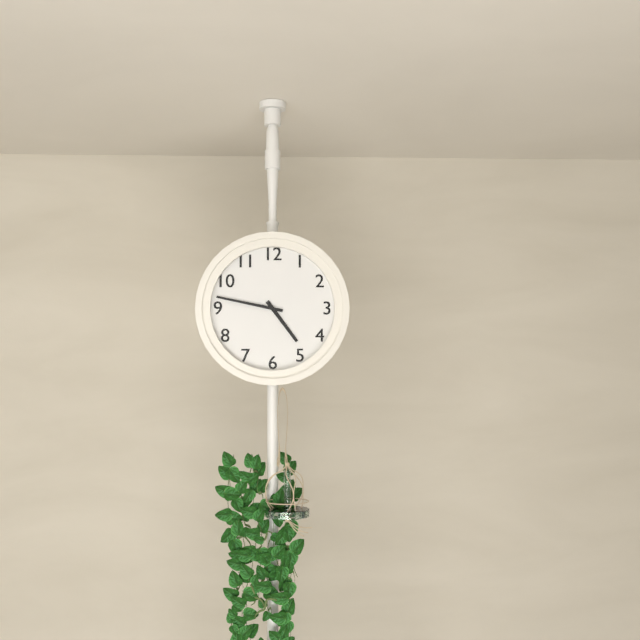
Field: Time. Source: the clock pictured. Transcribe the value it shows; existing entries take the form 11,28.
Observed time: 4,47
